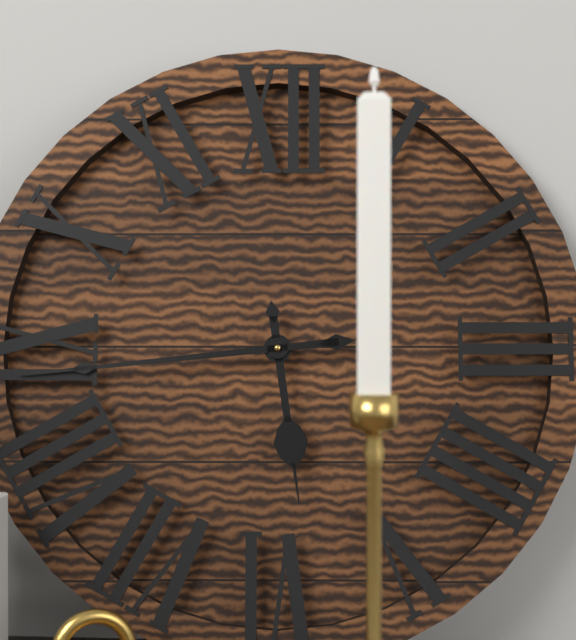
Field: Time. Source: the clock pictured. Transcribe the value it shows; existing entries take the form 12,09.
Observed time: 5,44
